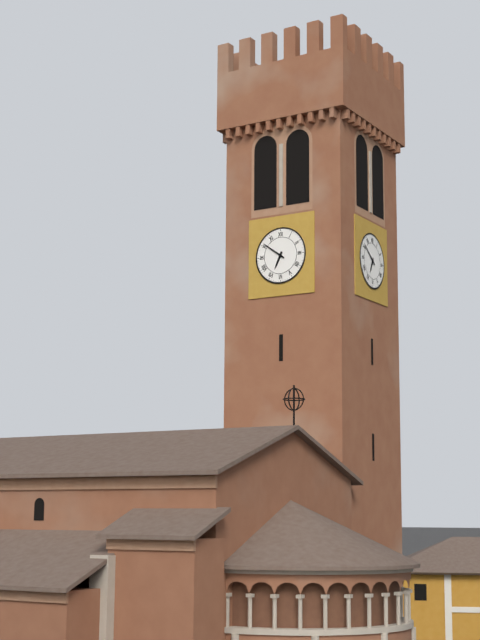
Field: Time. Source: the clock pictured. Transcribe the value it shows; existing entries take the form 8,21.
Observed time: 6,51
